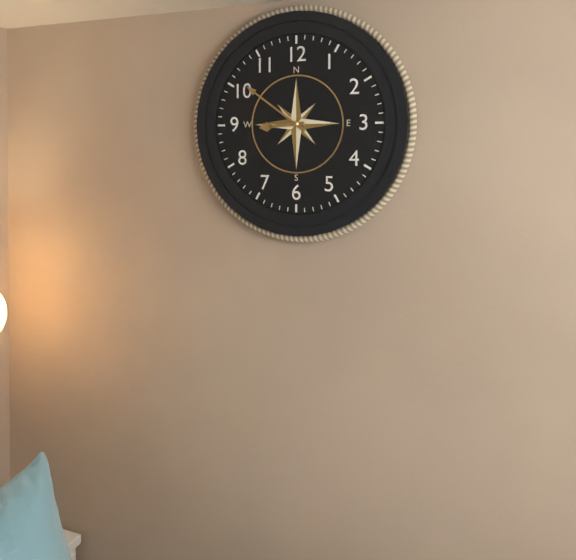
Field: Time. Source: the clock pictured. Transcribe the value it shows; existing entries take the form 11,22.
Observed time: 8,51
